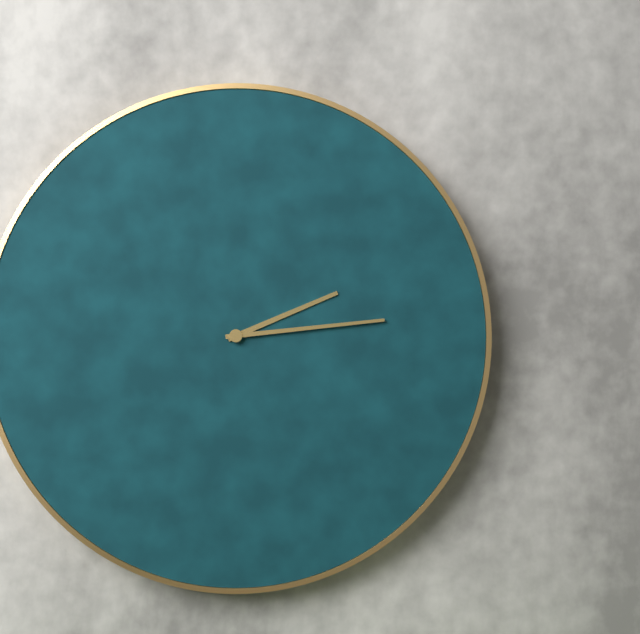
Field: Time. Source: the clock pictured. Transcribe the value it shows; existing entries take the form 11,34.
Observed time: 2,14
